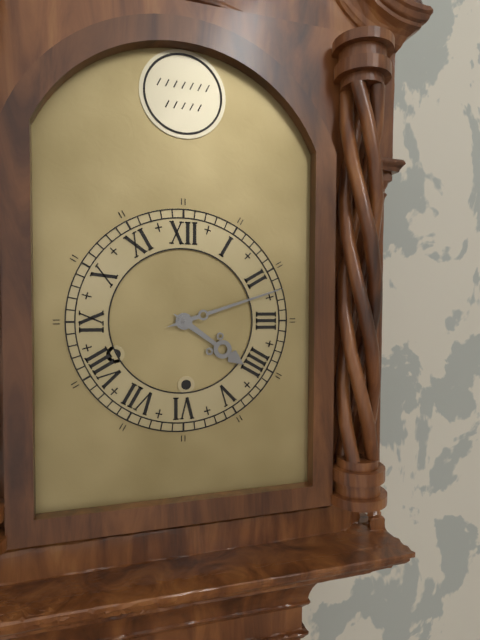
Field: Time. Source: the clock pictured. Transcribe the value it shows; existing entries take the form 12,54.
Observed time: 4,12
